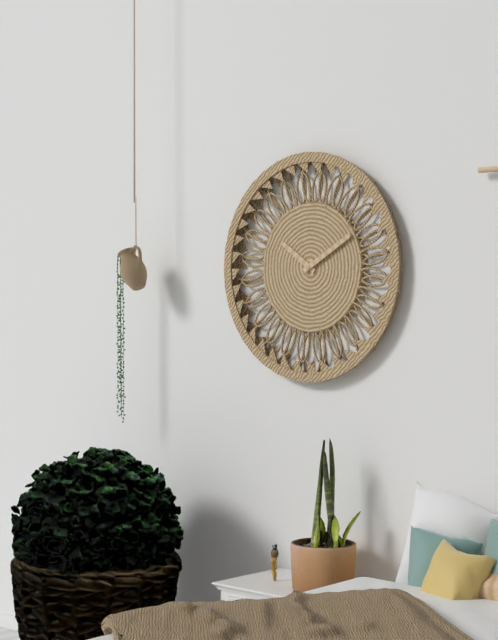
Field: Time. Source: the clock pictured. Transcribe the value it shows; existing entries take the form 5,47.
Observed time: 10,10
